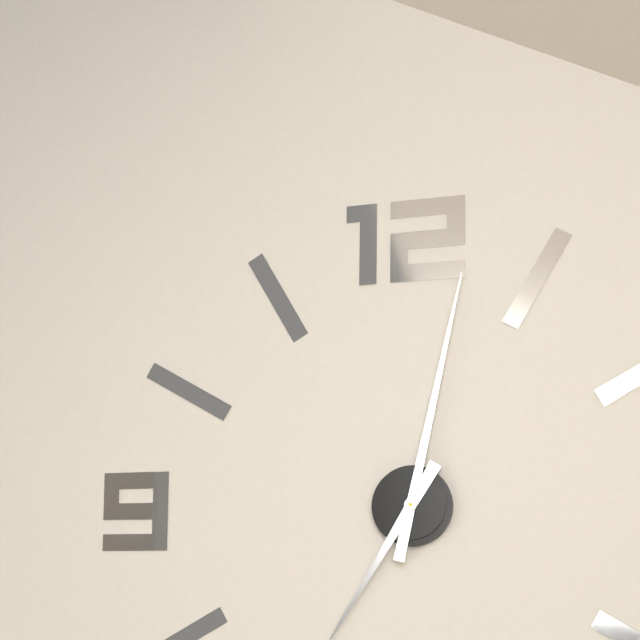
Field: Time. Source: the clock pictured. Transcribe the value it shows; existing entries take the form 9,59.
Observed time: 7,02
